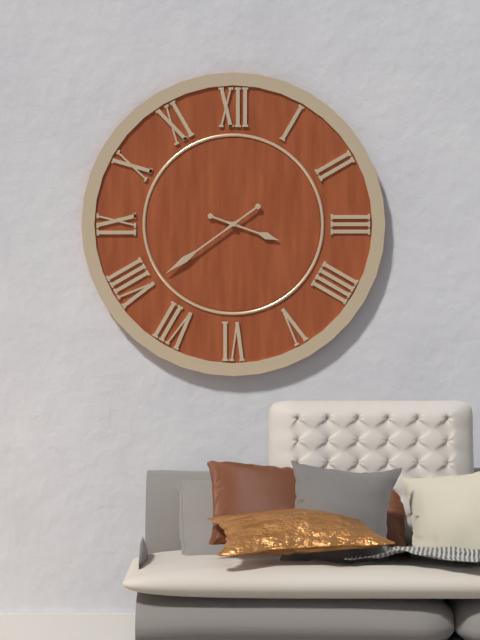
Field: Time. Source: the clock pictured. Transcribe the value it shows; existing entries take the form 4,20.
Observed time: 3,39
